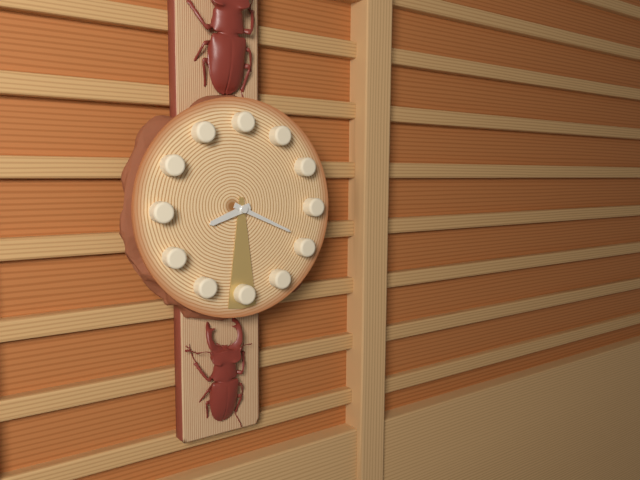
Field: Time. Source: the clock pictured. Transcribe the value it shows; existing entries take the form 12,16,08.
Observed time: 8,19,30
